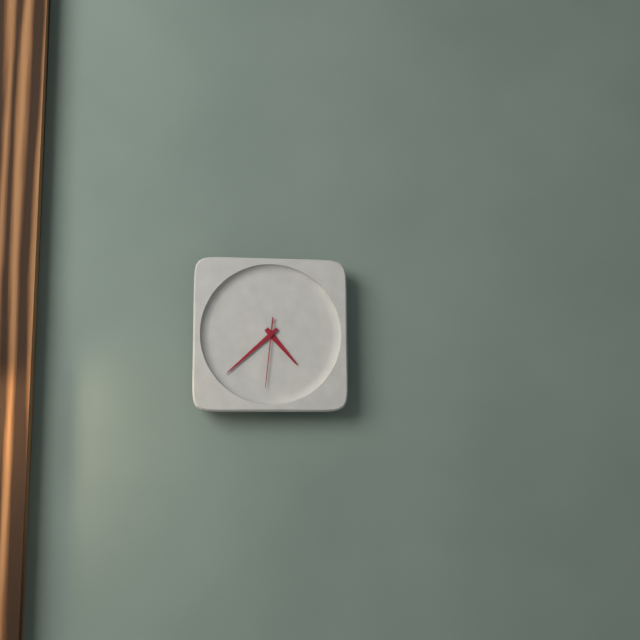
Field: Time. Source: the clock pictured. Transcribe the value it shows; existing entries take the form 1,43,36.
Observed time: 4,38,31
